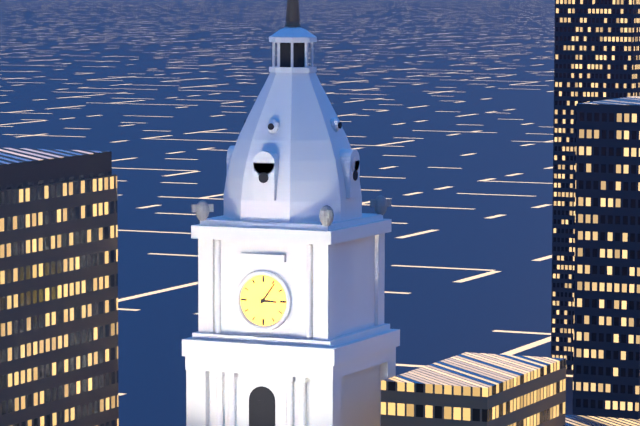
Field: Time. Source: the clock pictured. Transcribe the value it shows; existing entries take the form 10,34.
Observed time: 3,06
